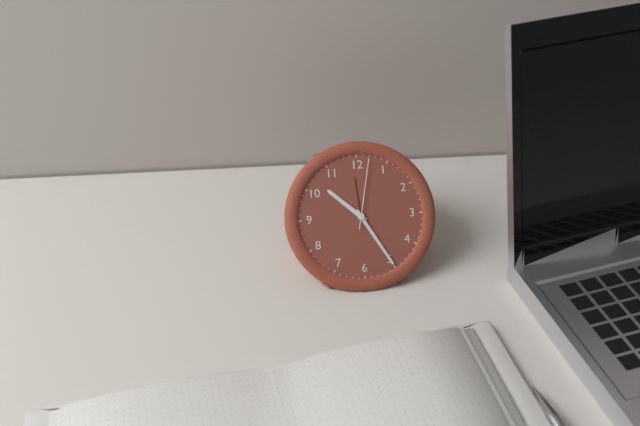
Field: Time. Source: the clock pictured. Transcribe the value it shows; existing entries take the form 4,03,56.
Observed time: 10,25,02
